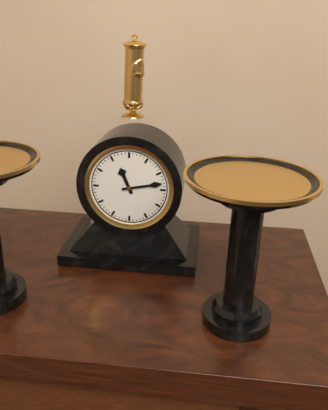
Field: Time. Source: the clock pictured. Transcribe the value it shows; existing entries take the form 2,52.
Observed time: 11,13
